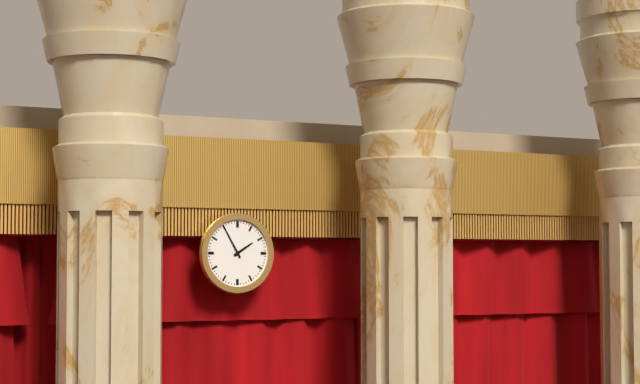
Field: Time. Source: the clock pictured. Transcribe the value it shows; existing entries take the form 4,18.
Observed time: 1,55
